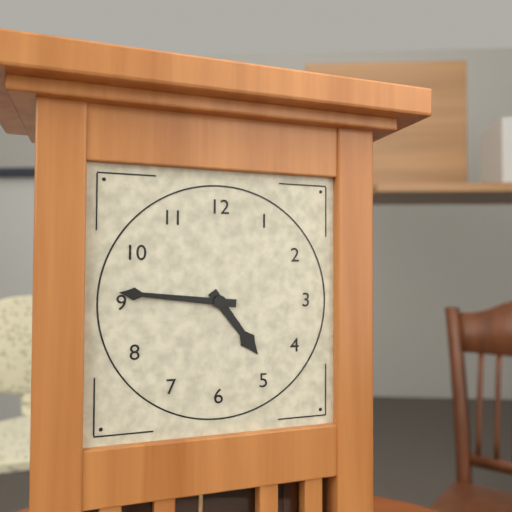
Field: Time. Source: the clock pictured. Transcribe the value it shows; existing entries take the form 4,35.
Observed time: 4,46
